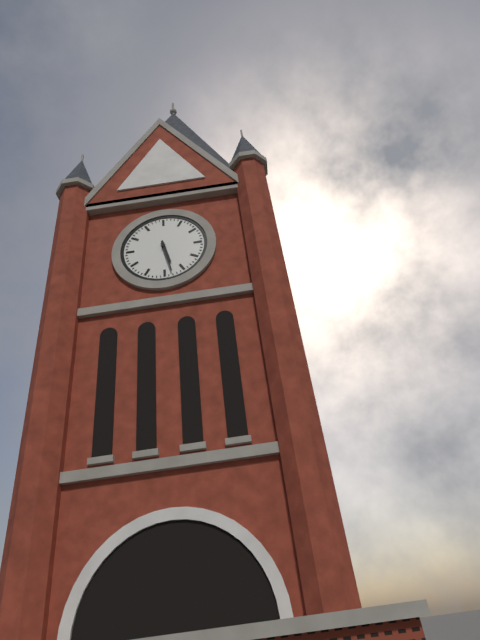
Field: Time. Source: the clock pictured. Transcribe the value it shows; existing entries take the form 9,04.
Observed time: 5,28
